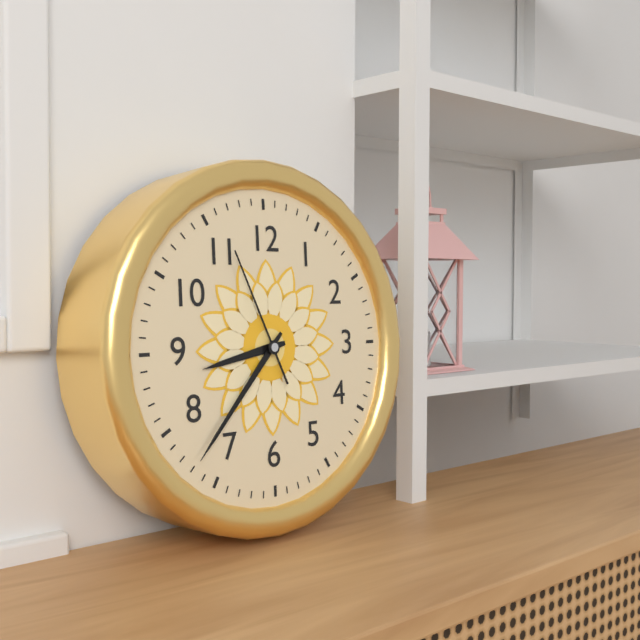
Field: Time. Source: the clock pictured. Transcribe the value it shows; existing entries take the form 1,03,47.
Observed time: 8,37,56
